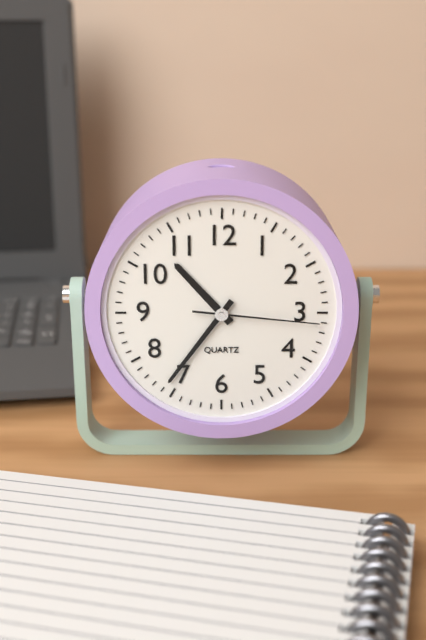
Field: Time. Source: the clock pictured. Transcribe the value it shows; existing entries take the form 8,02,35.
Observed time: 10,36,16
